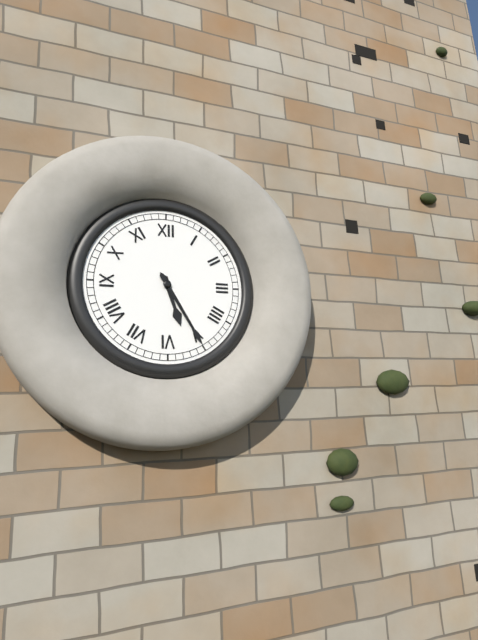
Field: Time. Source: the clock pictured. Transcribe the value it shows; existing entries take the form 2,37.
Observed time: 5,25
